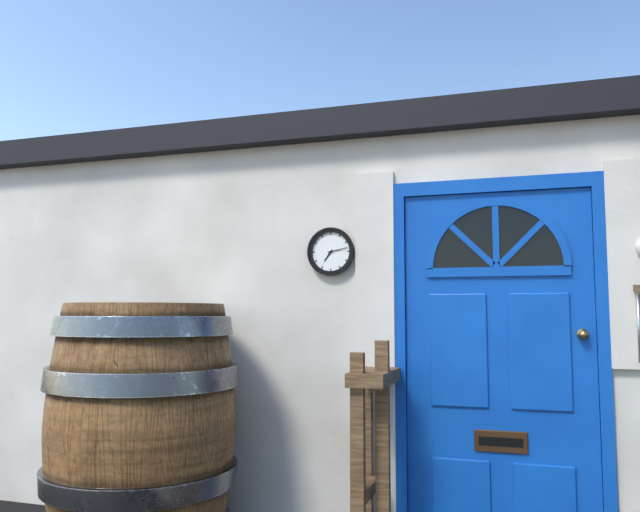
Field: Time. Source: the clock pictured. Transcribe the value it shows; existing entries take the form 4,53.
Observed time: 7,13
